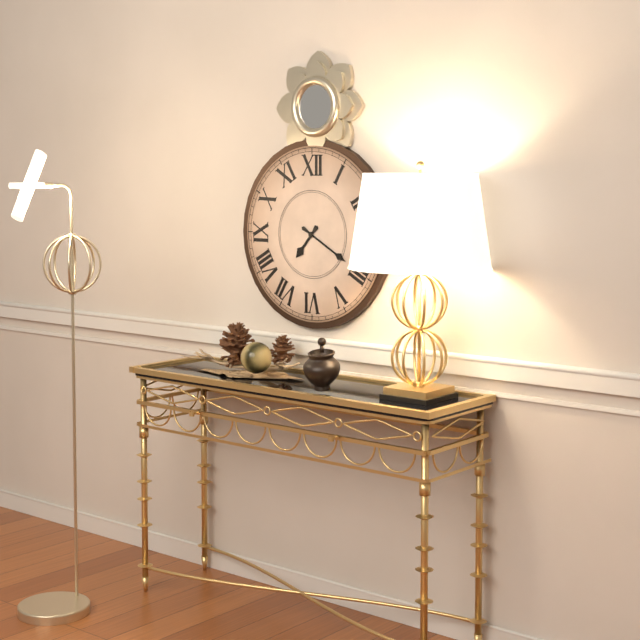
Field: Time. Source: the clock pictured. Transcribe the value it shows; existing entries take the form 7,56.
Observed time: 7,20
